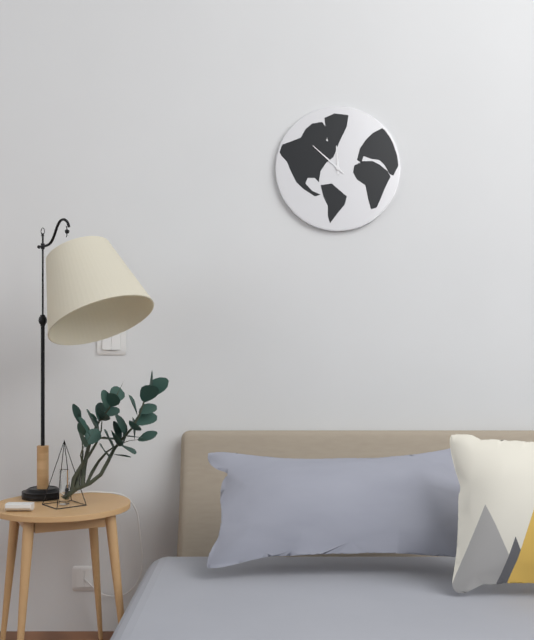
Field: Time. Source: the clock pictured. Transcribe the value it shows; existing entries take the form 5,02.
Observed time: 11,52
